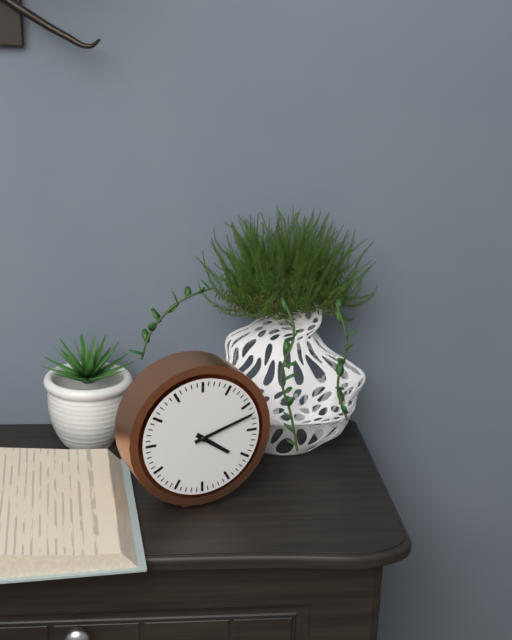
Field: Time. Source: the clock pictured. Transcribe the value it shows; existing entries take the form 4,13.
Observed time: 4,12
